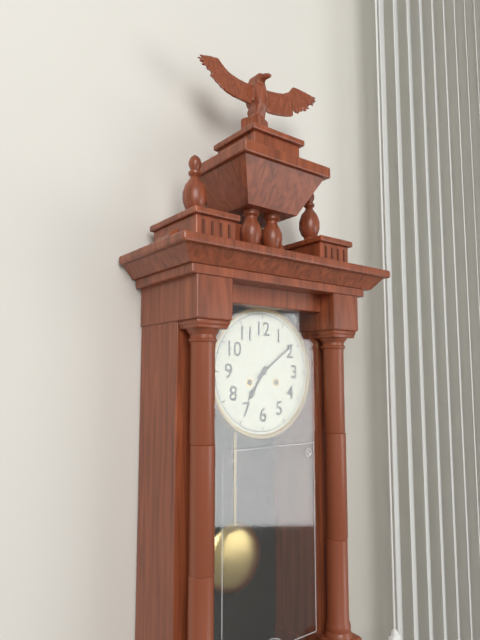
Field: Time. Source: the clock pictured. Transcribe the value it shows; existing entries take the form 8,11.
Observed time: 7,09
